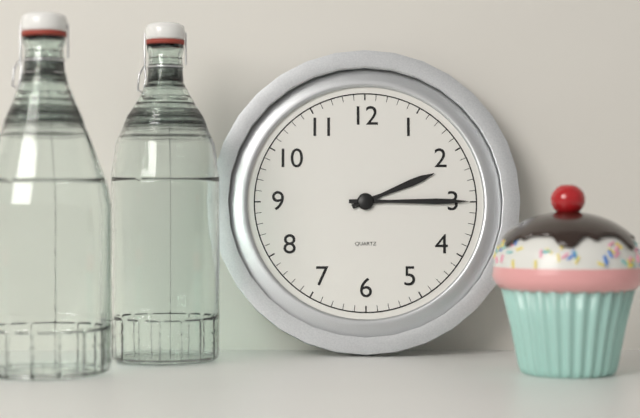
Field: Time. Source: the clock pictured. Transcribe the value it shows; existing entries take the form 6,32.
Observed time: 2,15
